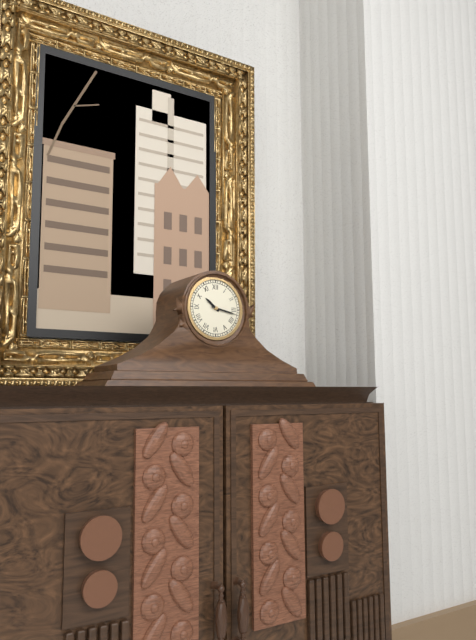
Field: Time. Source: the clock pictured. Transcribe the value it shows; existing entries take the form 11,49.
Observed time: 10,17
